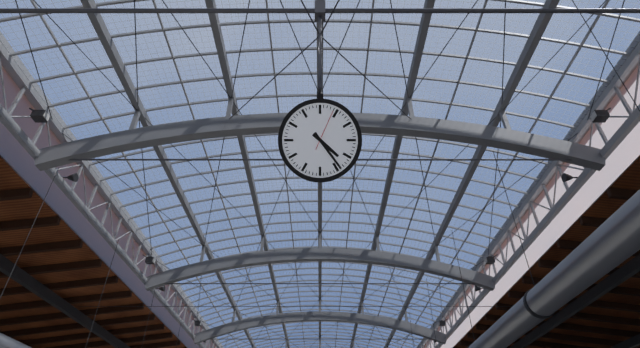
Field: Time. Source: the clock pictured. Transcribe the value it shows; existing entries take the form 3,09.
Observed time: 4,24
